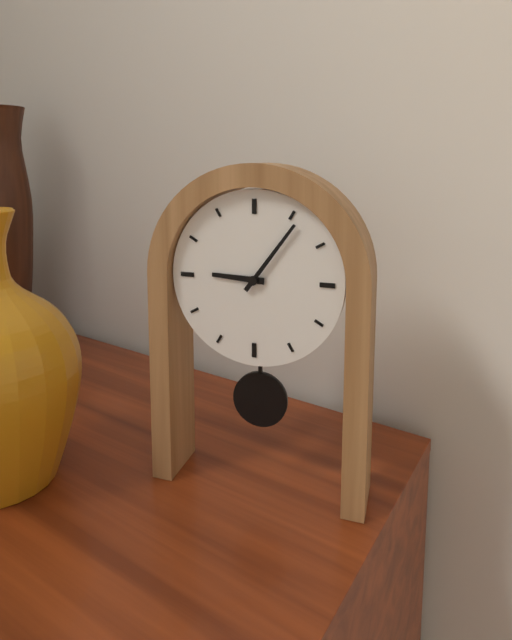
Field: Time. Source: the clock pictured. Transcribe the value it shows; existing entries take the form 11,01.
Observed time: 9,06
